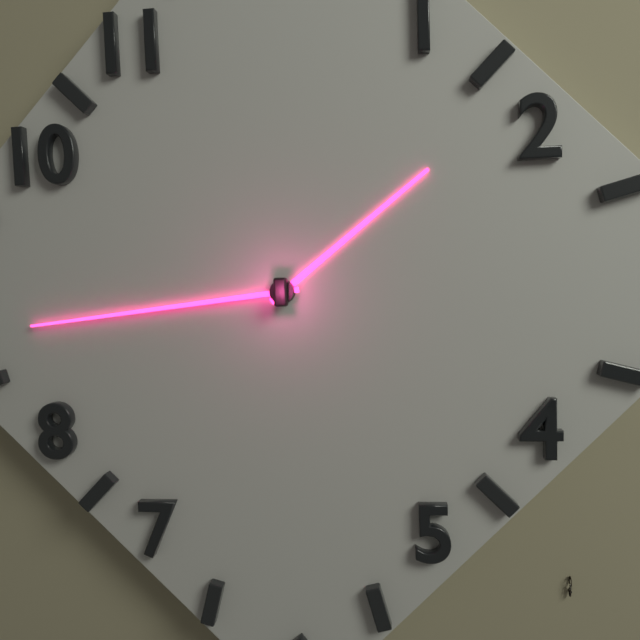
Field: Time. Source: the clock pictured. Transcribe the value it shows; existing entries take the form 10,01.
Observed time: 1,44
